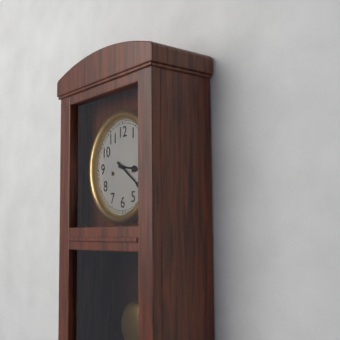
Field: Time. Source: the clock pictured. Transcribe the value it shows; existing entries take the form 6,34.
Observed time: 3,21
